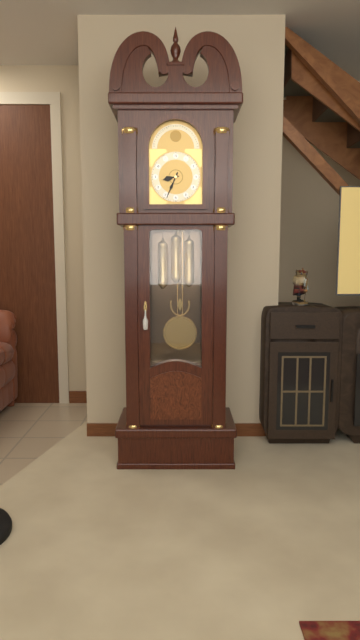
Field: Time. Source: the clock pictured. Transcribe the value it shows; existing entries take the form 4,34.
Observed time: 8,34
